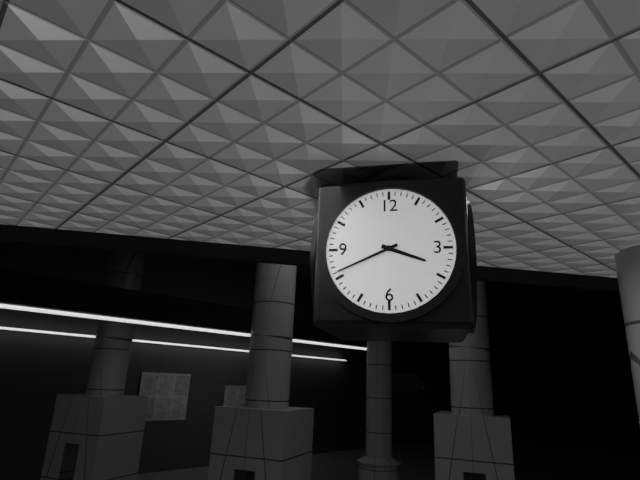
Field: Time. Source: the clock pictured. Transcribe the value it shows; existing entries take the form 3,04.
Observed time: 3,41
